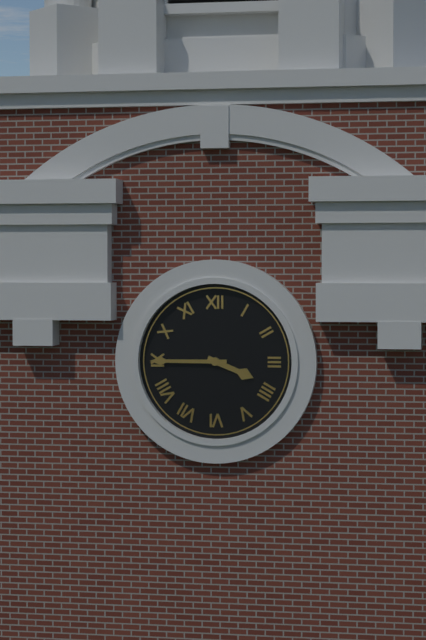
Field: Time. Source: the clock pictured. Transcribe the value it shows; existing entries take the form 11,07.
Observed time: 3,45
